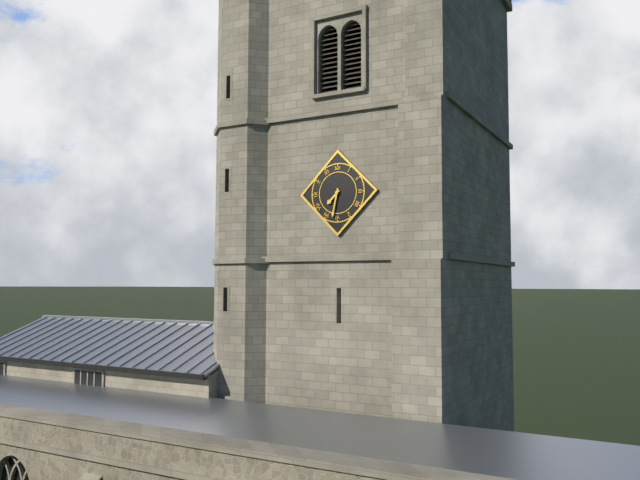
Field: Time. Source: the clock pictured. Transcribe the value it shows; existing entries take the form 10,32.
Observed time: 7,32
